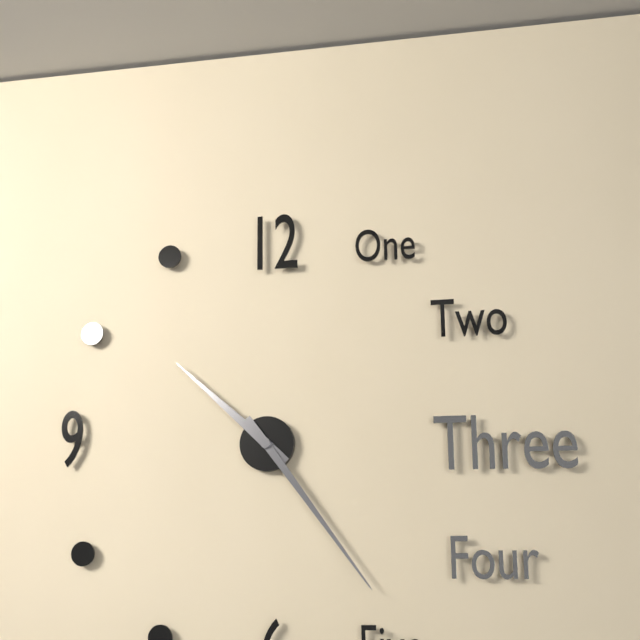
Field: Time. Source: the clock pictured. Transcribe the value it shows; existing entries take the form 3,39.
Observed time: 10,24
